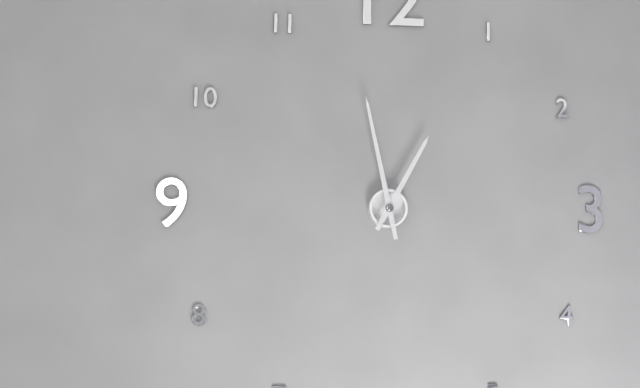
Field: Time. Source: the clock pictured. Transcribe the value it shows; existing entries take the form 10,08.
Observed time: 12,58
